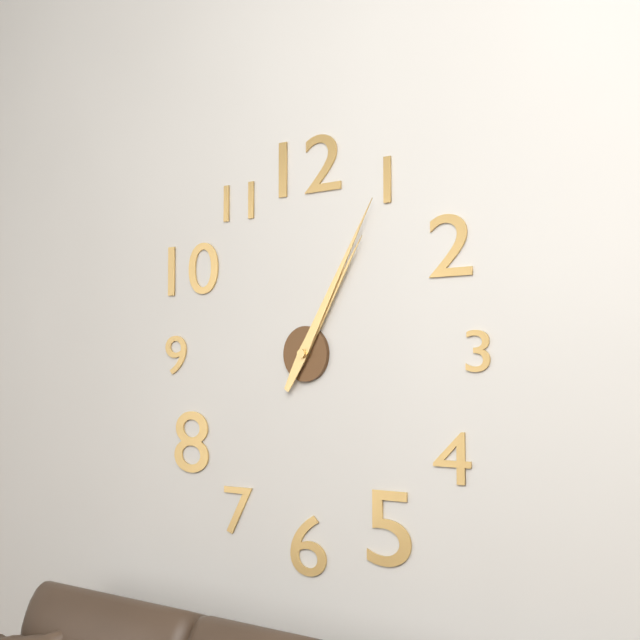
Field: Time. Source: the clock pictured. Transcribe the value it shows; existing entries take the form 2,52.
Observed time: 1,05
